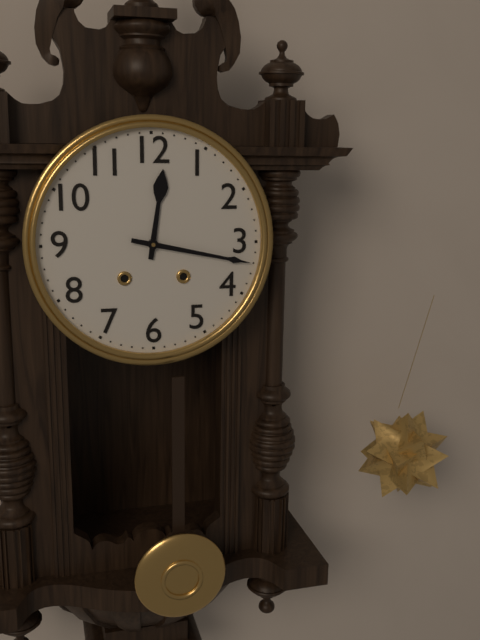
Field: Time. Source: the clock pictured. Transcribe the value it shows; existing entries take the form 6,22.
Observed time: 12,17
